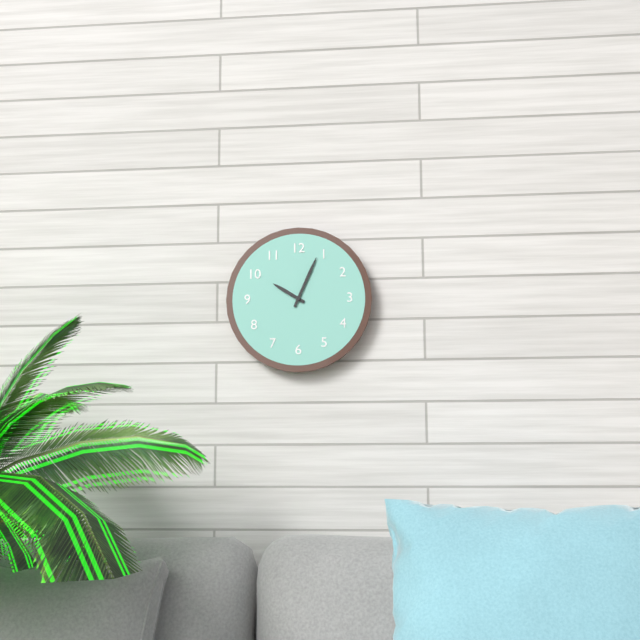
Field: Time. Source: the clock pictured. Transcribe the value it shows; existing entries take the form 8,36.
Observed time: 10,04
